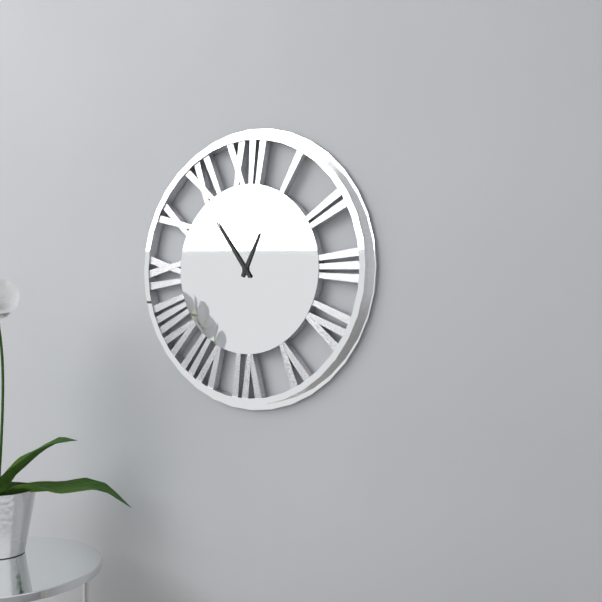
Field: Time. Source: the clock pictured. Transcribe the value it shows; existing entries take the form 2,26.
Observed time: 12,54
